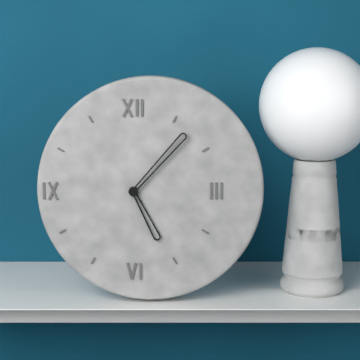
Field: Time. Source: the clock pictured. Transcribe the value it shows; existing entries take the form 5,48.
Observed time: 5,07
